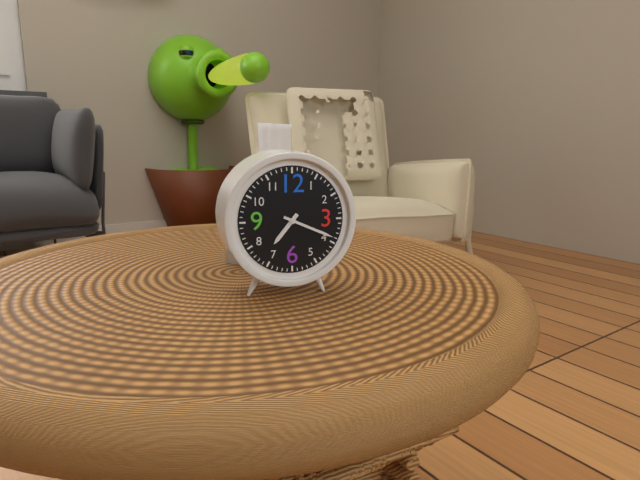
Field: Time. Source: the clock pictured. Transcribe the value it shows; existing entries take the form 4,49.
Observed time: 7,19
